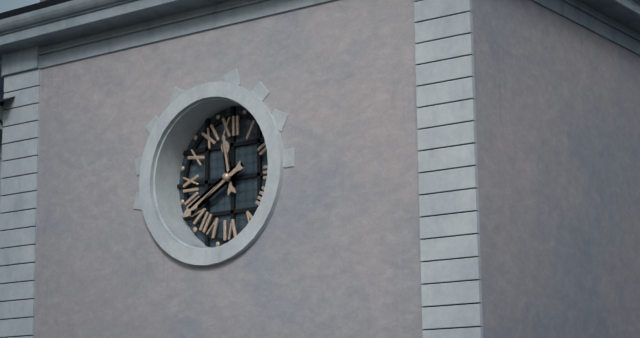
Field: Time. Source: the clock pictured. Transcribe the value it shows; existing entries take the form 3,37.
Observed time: 11,40
